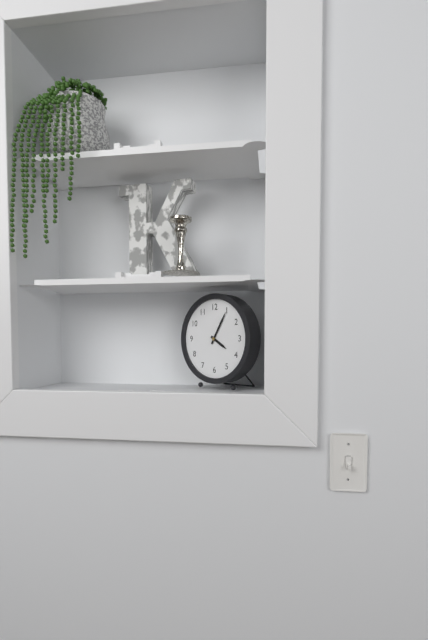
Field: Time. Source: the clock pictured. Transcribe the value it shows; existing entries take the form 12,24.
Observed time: 4,05
